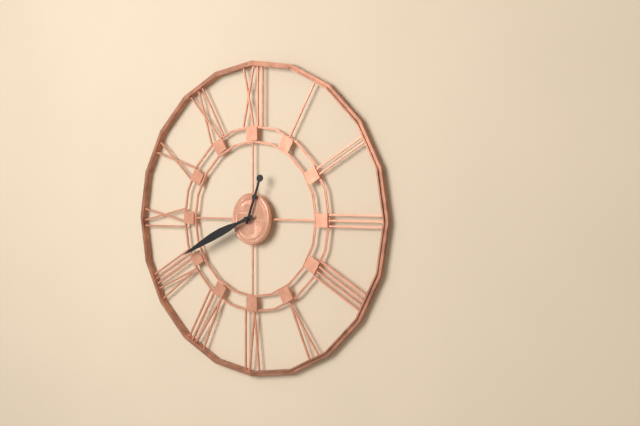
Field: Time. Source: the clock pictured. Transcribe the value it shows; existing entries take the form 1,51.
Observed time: 12,41
